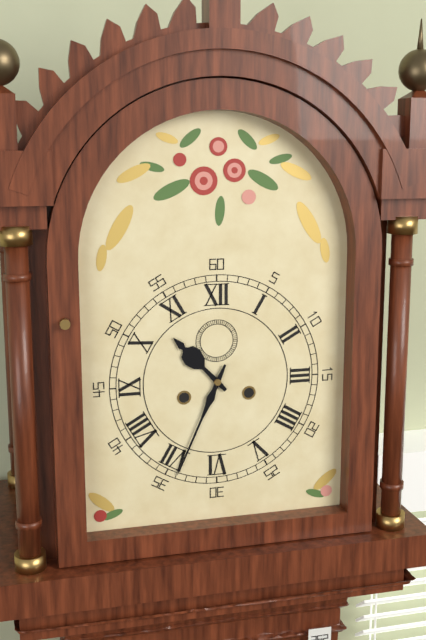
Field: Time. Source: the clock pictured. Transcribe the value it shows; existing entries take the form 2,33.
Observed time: 10,34
